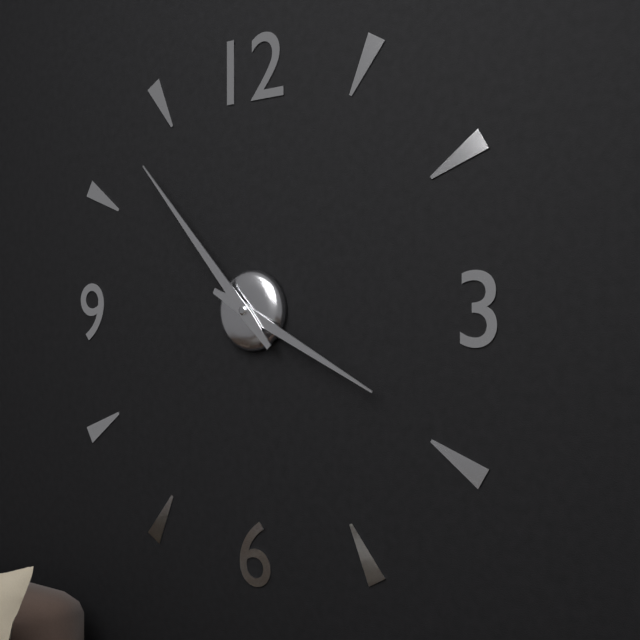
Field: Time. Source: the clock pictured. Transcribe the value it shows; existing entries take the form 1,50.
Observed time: 3,53
